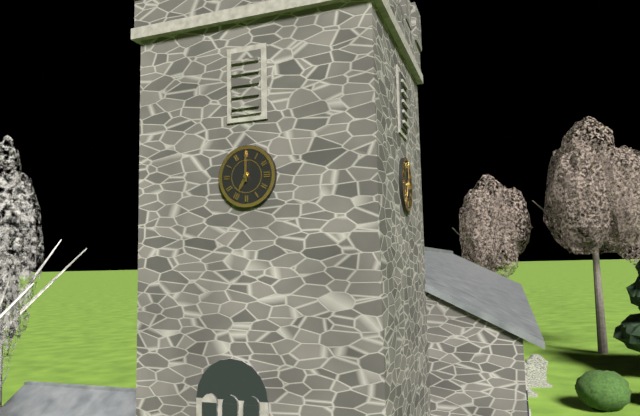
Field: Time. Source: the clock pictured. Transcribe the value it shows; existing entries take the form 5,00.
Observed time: 7,00
